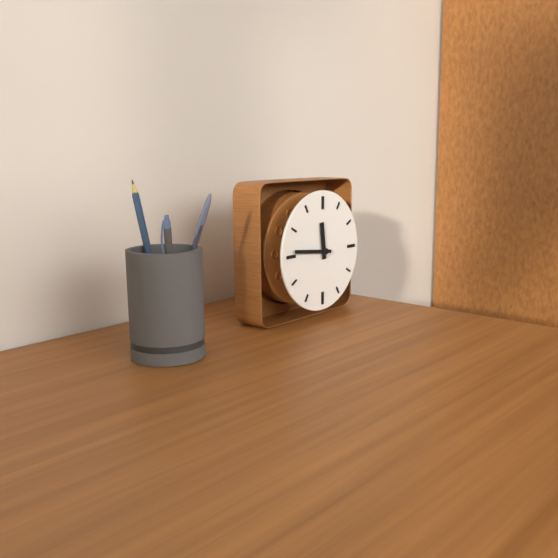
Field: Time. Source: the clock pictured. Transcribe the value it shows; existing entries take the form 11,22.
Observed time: 11,46
